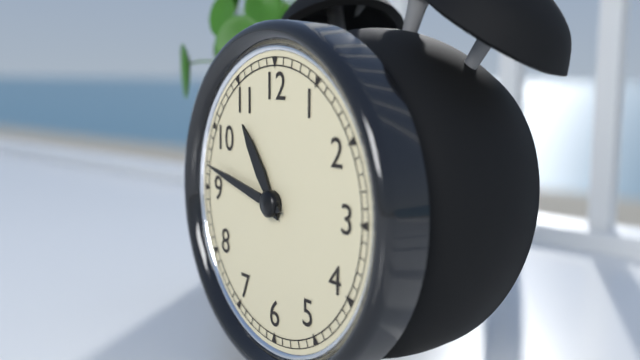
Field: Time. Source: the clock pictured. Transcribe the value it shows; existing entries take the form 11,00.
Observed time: 10,47
